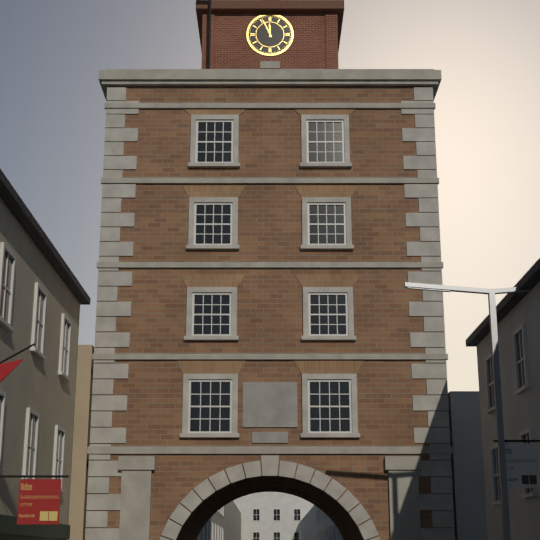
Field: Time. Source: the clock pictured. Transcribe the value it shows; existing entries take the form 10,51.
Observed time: 11,56
